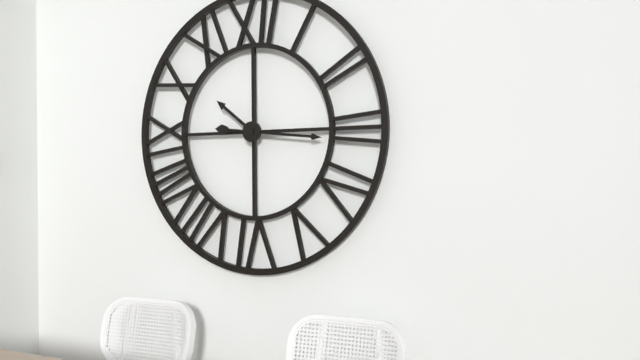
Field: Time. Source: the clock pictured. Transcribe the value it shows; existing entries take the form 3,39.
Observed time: 10,16
